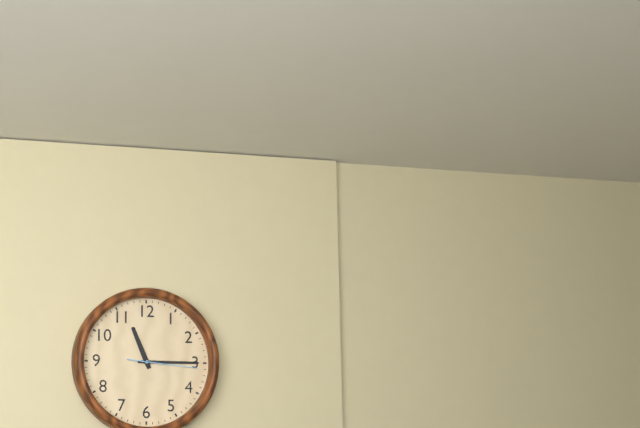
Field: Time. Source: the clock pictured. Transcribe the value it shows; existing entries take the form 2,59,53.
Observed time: 11,15,16
